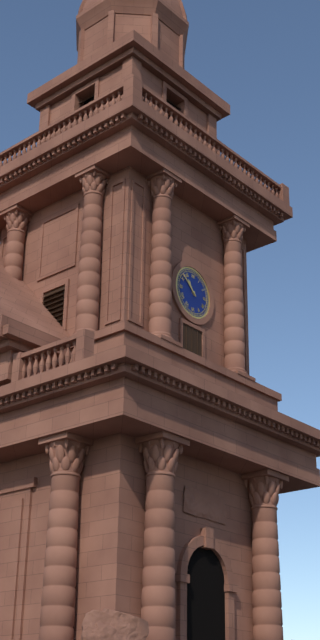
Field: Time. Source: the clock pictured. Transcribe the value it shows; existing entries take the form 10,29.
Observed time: 10,52
